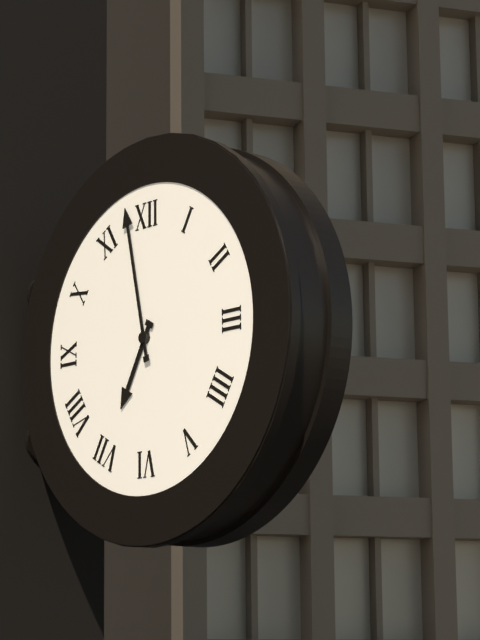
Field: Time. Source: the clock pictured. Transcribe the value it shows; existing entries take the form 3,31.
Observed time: 6,58
